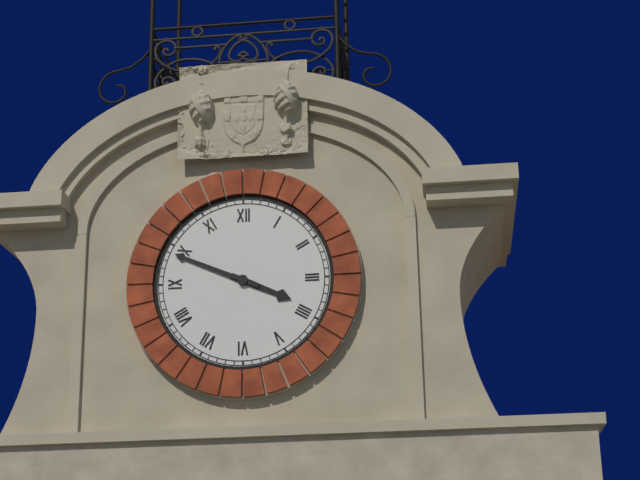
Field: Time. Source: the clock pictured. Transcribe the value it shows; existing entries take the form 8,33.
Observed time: 3,49
